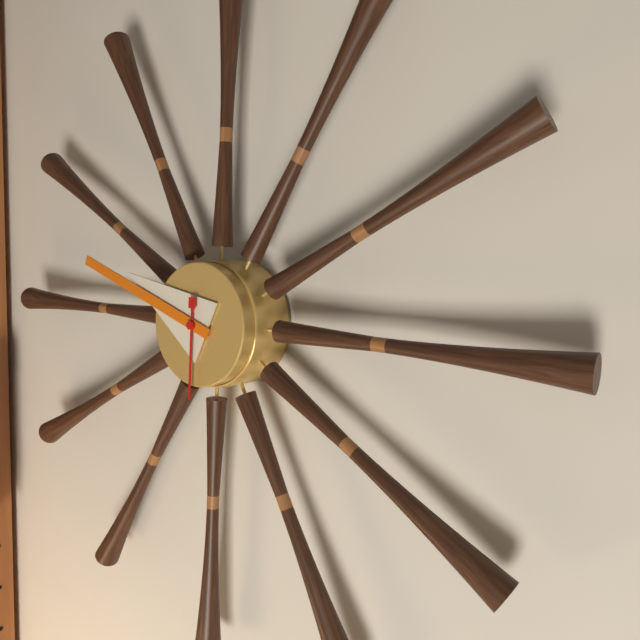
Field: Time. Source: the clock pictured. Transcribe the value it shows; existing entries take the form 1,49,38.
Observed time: 9,48,30
